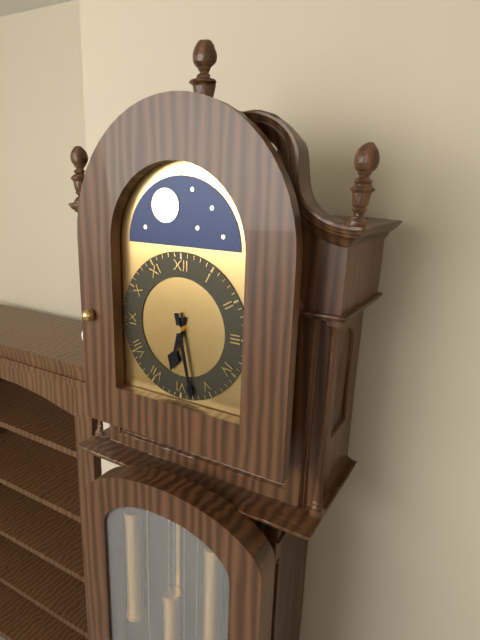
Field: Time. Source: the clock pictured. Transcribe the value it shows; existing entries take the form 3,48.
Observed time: 6,28
